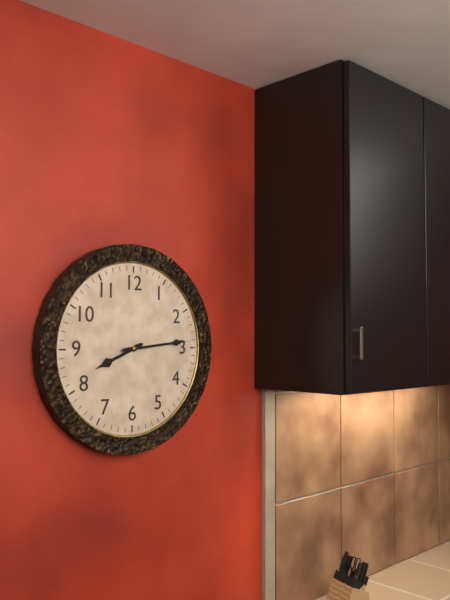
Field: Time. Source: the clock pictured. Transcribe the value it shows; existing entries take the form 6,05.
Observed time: 8,14
